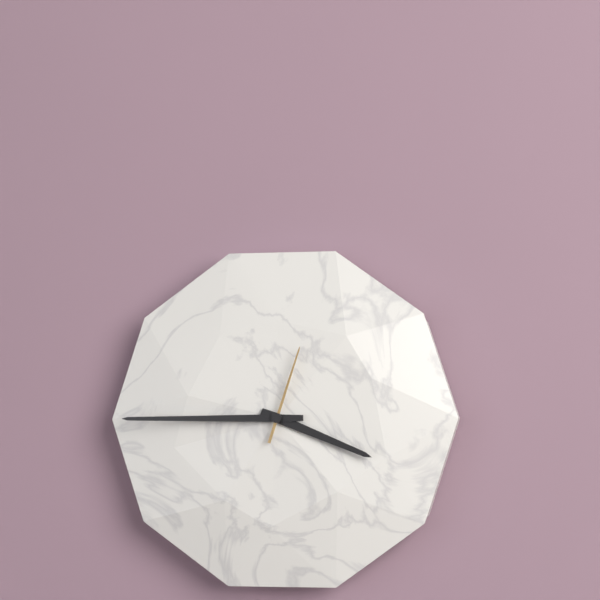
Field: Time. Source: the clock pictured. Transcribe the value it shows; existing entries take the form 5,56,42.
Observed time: 3,45,03
